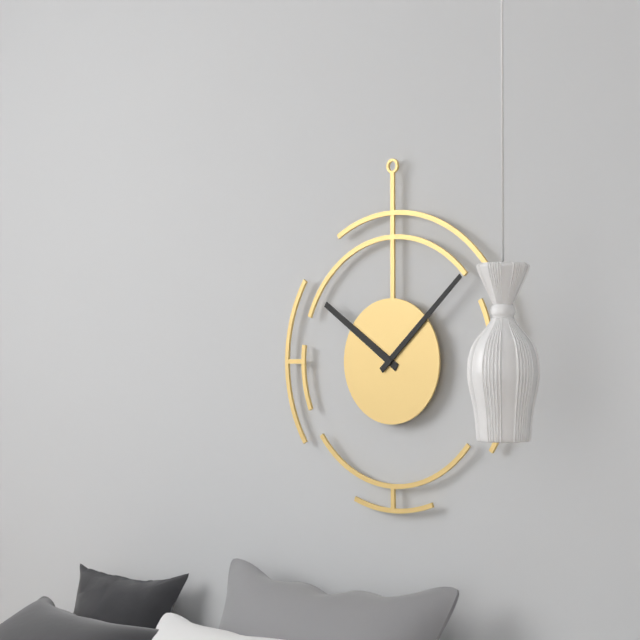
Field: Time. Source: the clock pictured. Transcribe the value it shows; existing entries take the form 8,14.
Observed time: 10,08
